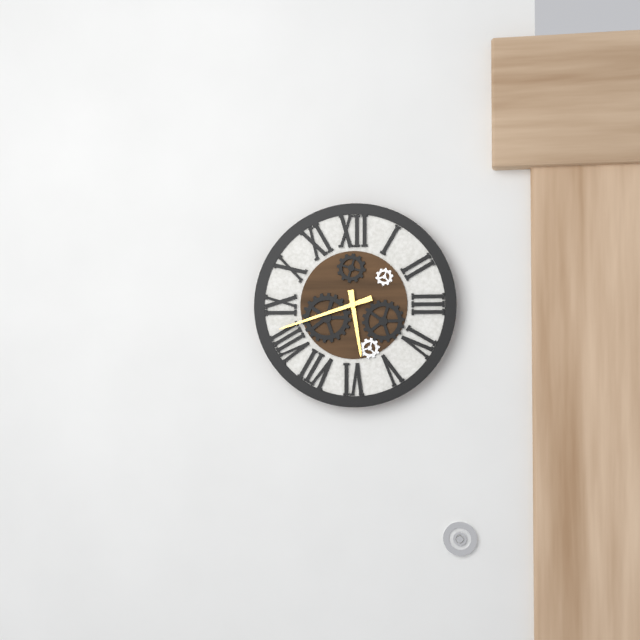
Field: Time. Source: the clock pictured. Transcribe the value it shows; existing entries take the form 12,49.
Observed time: 5,42
